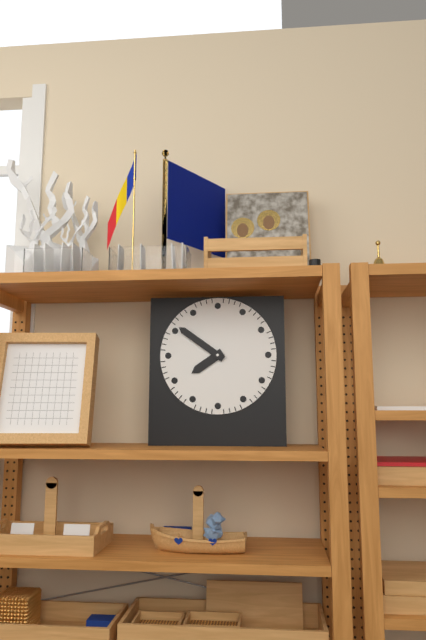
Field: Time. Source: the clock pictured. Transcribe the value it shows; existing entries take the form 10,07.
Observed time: 7,51
